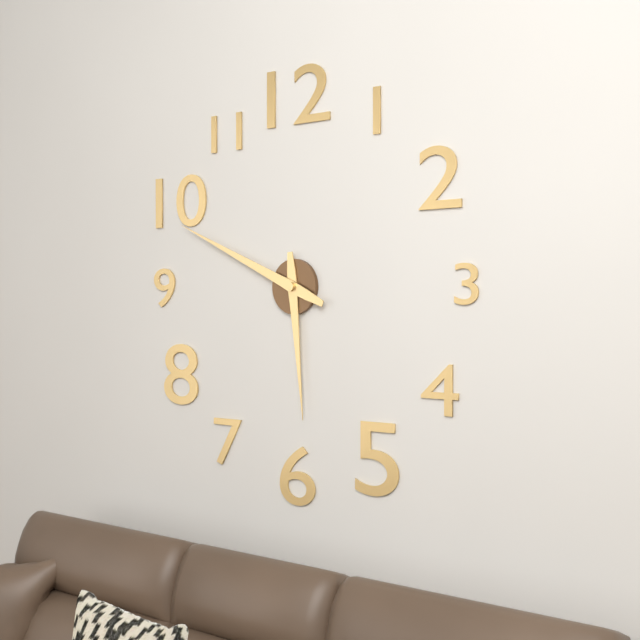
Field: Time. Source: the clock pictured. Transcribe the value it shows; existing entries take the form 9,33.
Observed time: 5,49
